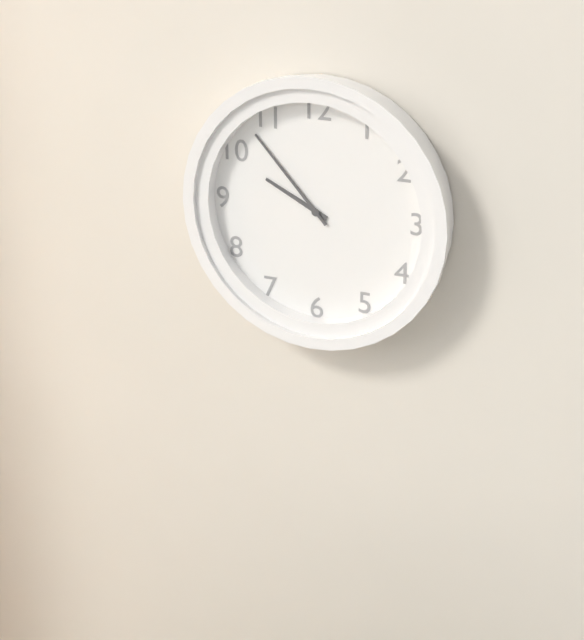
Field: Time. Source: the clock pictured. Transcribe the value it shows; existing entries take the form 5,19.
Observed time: 9,53
